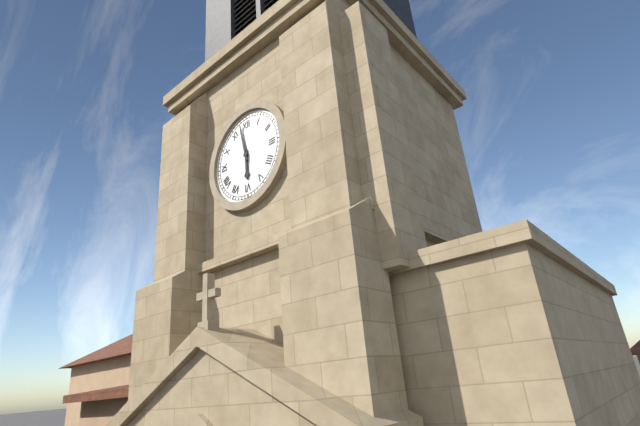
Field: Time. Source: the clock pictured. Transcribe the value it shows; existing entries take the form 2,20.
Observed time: 5,58
